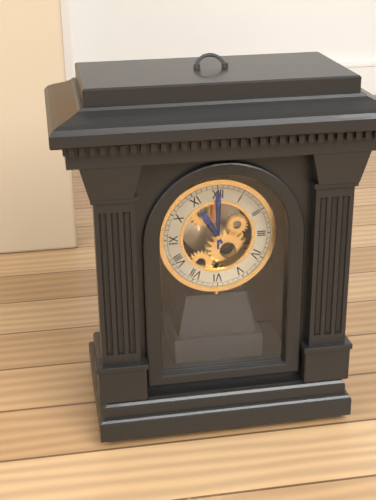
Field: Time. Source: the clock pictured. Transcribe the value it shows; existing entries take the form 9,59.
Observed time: 11,00
